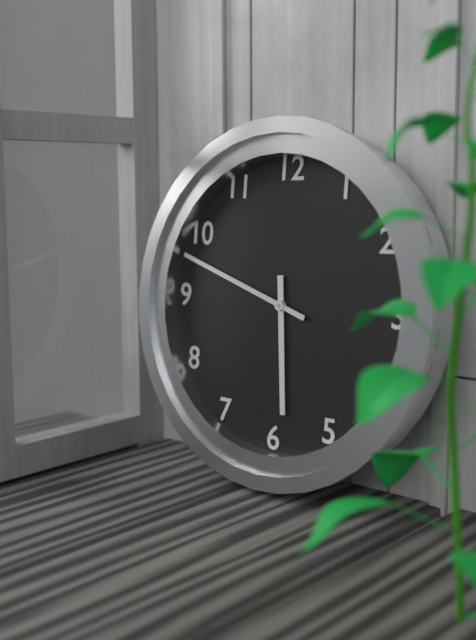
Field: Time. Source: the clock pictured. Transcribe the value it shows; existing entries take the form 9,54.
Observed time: 5,48
